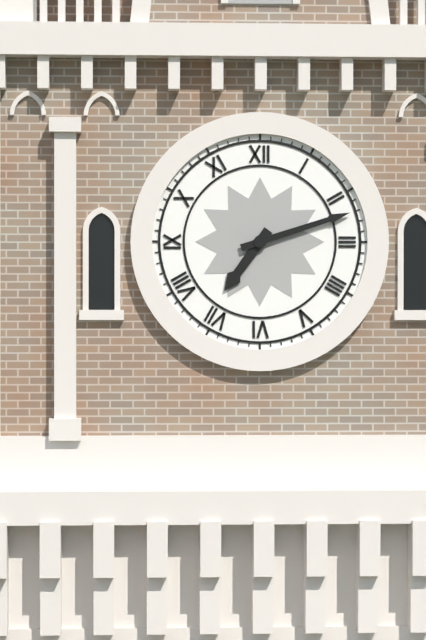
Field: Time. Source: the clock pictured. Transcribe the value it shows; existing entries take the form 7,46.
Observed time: 7,12
